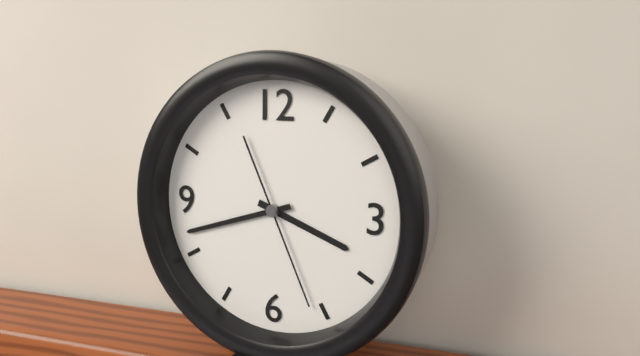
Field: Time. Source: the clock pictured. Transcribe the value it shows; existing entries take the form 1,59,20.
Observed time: 3,42,26
